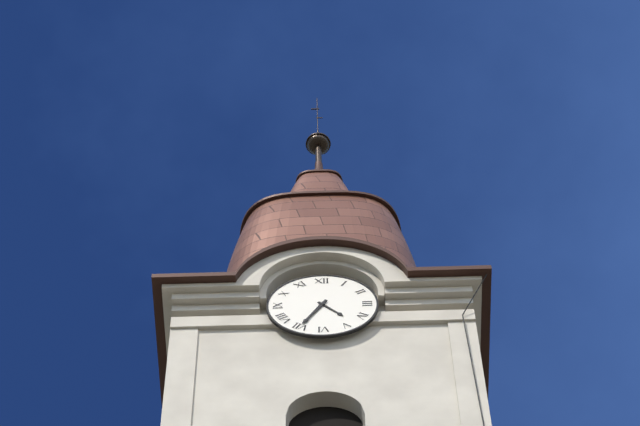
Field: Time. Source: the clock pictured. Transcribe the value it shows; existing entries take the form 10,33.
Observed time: 4,35
